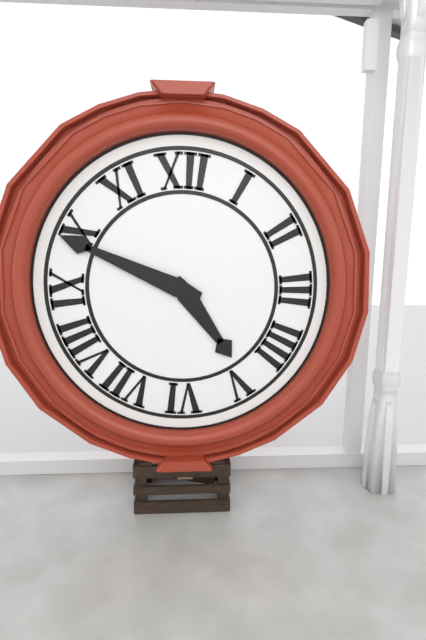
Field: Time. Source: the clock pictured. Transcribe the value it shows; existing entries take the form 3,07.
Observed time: 4,49
